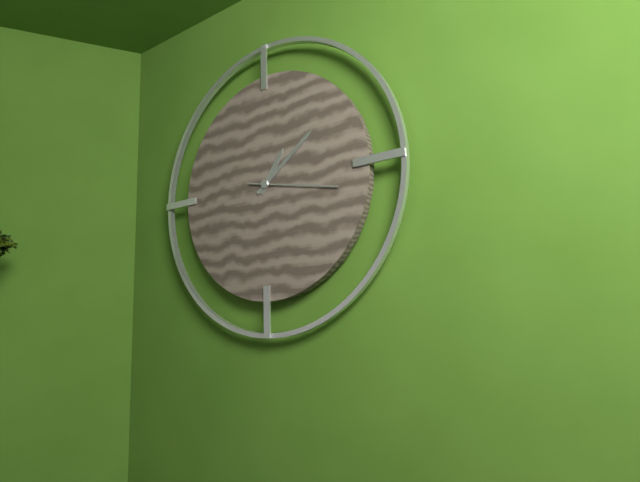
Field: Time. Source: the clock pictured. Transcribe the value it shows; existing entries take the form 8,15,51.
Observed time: 1,09,17
